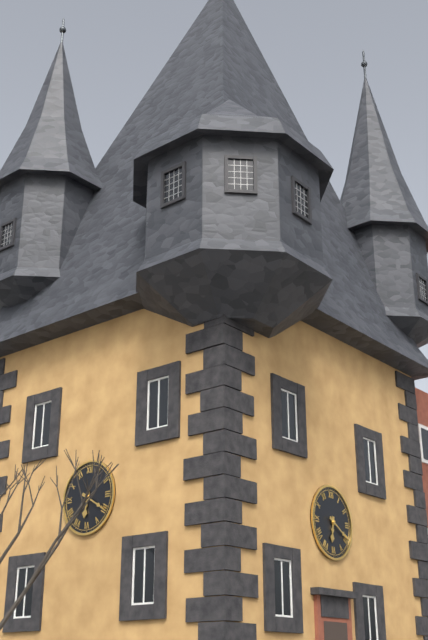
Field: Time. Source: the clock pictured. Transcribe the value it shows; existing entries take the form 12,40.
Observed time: 6,20
